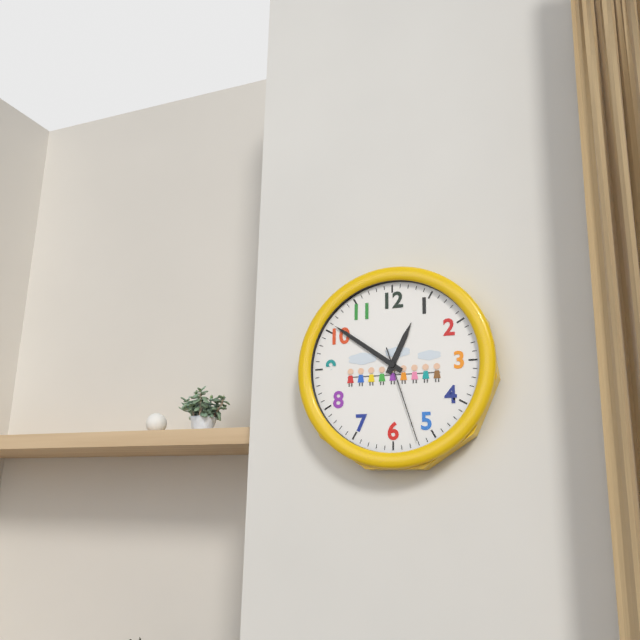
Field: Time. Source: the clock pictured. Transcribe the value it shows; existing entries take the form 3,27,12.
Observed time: 12,51,27
